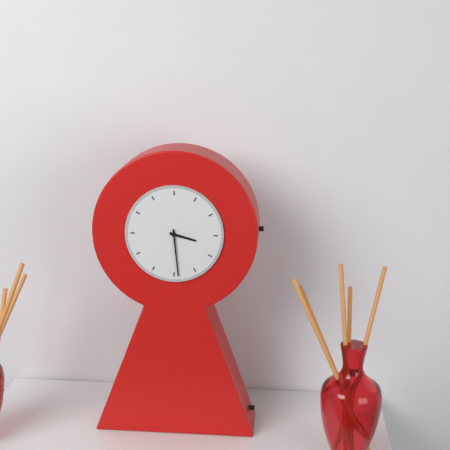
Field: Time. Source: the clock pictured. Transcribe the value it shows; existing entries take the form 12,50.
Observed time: 3,29
